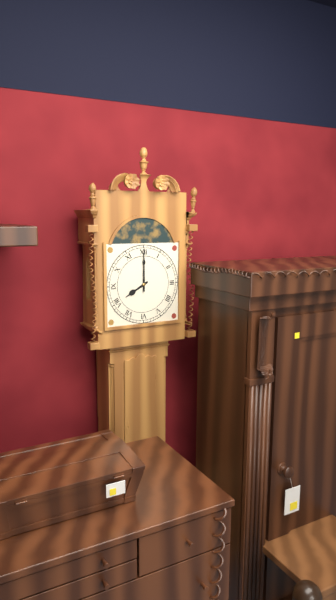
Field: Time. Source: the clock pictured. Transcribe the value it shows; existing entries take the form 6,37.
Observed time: 8,00
